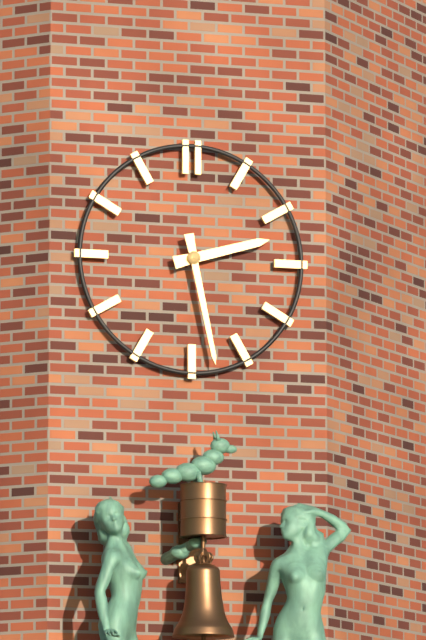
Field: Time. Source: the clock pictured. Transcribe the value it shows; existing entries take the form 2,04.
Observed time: 2,28
